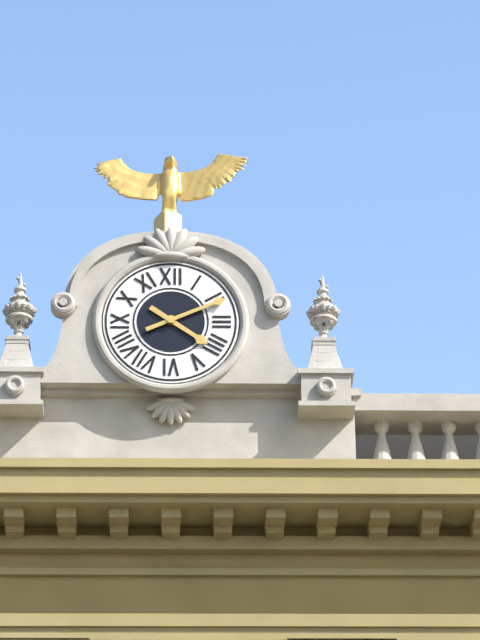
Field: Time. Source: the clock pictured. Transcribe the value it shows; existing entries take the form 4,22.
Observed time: 4,11
